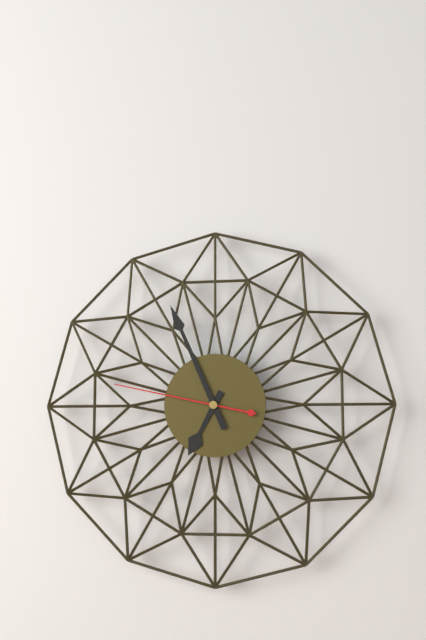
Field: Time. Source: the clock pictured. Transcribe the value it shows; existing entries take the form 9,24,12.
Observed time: 6,56,47
